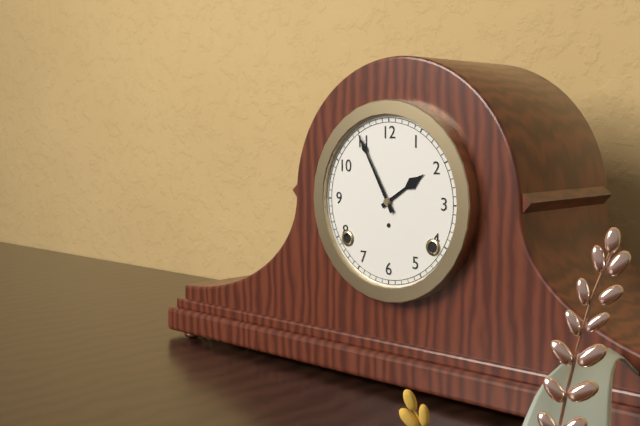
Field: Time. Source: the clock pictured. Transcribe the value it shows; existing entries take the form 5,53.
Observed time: 1,55
